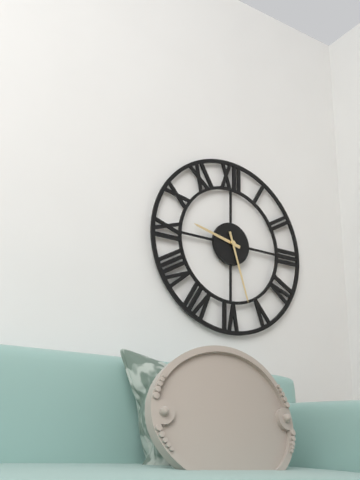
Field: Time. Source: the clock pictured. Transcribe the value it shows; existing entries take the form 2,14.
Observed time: 9,27
